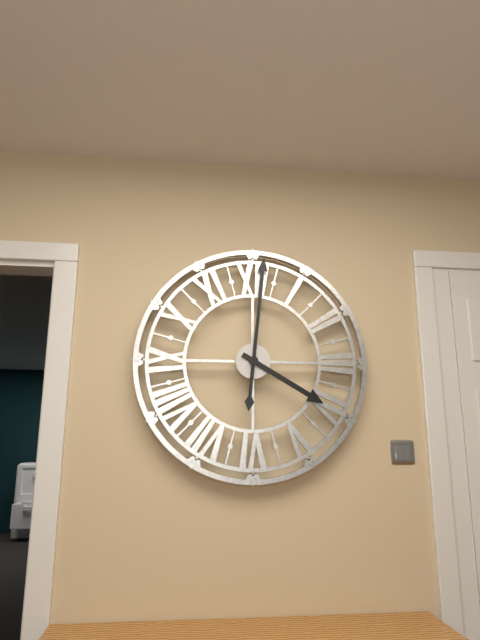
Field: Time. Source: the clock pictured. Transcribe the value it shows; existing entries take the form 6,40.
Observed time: 4,01
